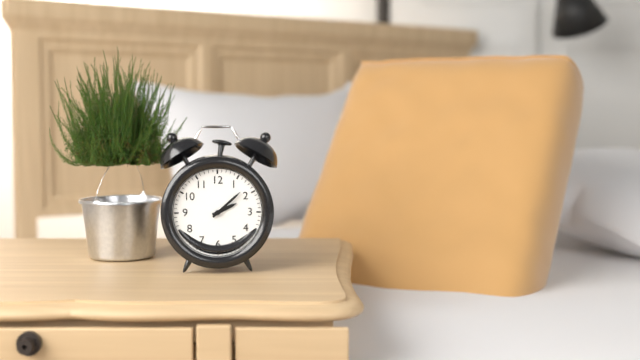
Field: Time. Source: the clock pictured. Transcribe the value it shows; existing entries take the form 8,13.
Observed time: 2,08
